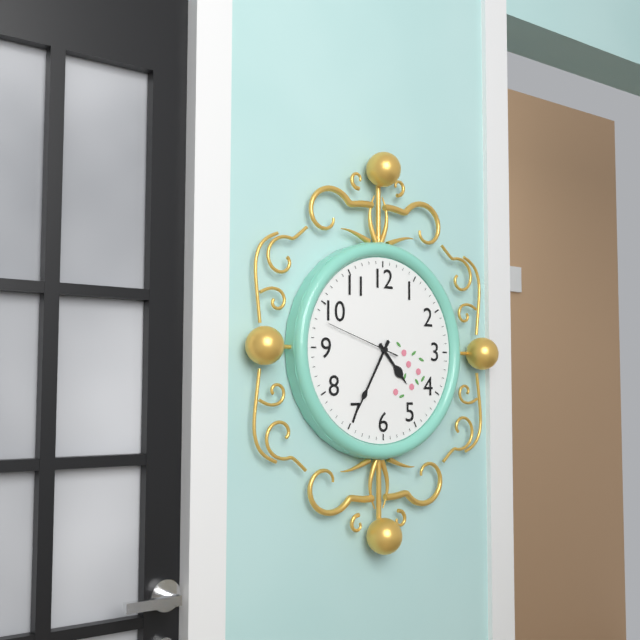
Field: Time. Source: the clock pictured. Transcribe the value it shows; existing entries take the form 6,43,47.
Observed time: 4,35,48
